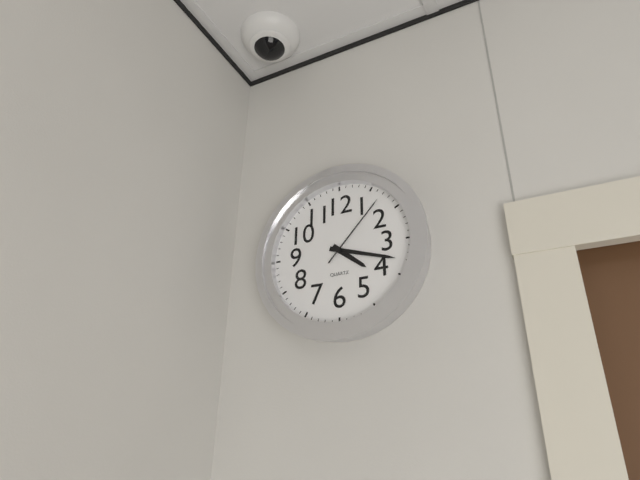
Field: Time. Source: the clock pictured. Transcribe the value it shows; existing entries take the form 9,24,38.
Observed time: 4,18,07
